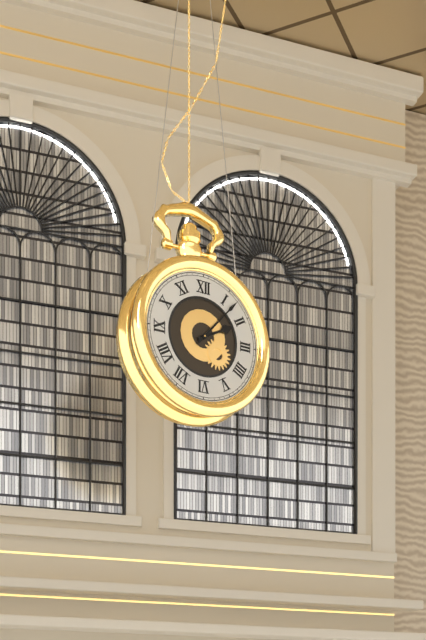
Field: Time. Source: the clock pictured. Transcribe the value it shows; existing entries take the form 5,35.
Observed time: 2,07
